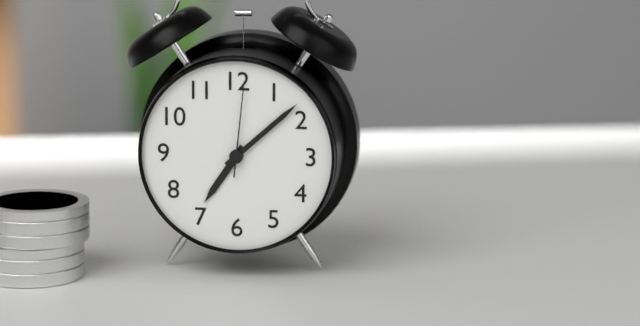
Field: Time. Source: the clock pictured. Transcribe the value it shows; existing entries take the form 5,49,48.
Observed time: 7,08,01
